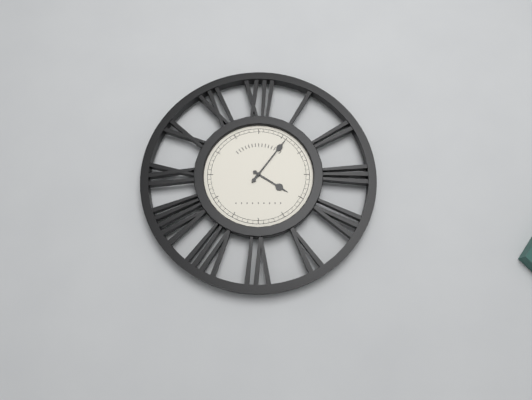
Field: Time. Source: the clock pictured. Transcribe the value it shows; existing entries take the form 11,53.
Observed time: 4,06
